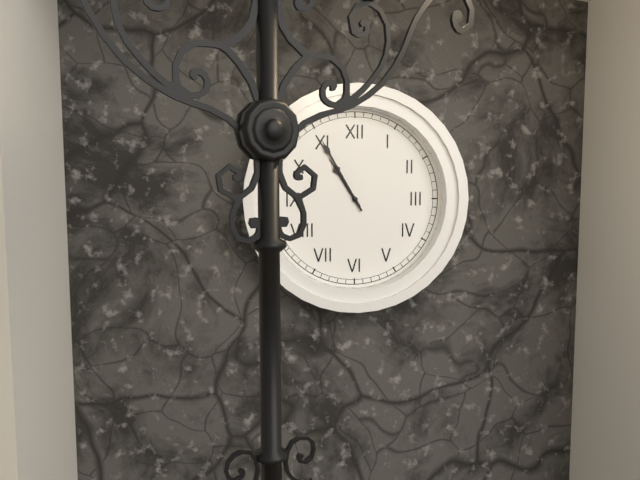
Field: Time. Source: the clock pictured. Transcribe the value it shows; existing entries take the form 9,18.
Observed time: 10,55
